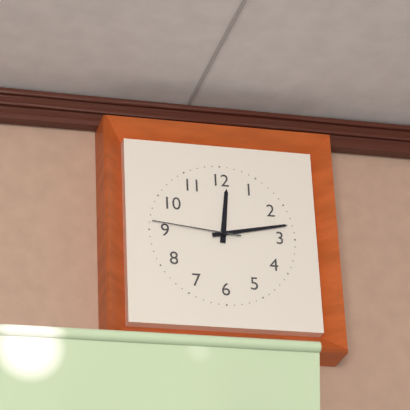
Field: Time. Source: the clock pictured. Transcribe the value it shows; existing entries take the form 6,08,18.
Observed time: 12,13,46
